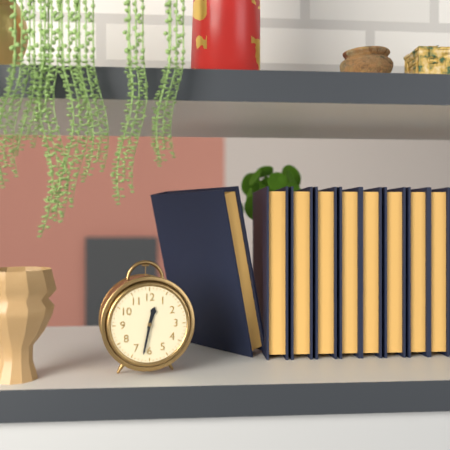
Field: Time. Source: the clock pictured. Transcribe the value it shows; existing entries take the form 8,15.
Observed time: 12,32
